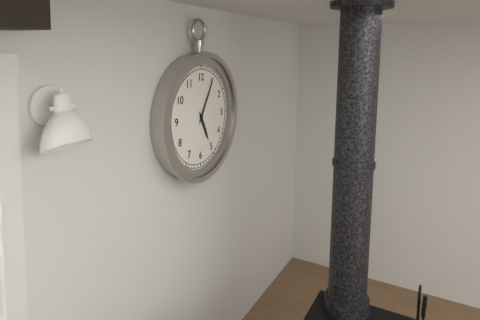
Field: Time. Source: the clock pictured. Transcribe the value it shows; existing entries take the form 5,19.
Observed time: 5,05
